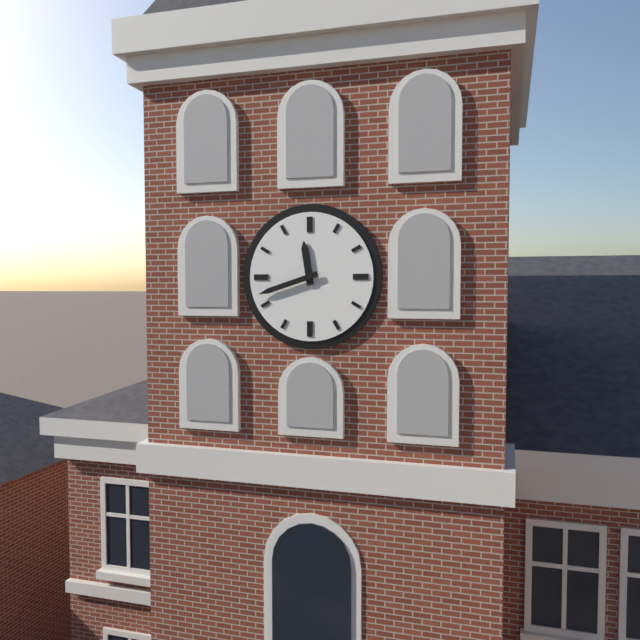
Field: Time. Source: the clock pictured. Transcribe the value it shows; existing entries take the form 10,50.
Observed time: 11,42
